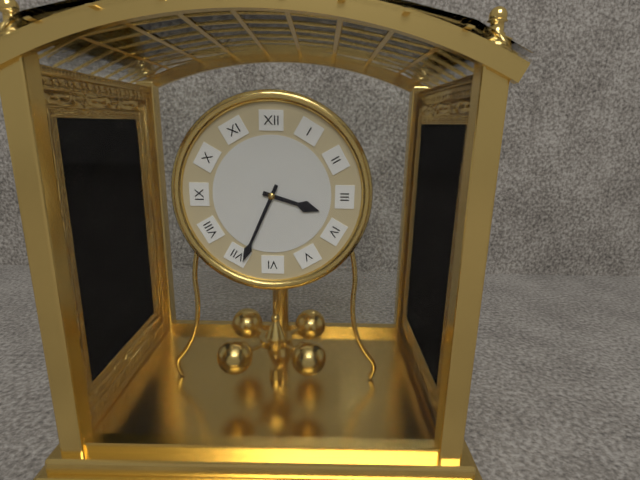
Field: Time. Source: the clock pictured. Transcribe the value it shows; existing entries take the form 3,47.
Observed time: 3,34
